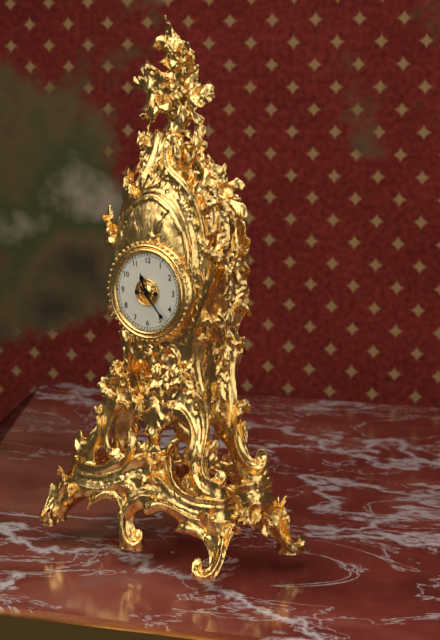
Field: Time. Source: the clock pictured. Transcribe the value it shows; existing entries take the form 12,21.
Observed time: 11,23
